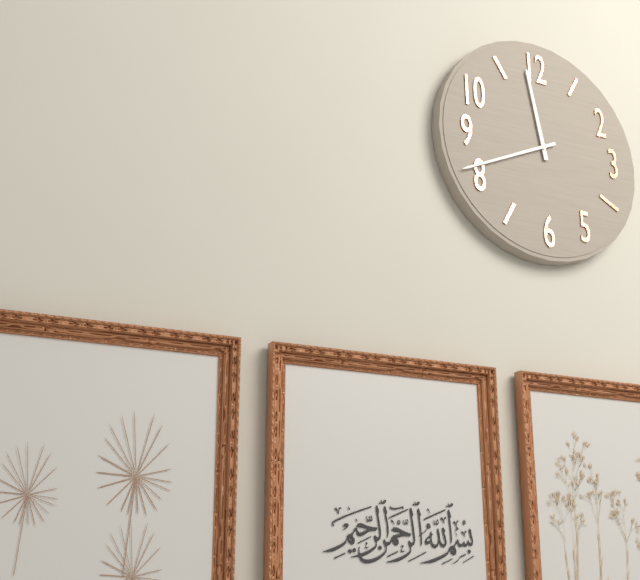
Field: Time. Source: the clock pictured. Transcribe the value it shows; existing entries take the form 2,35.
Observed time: 11,41
